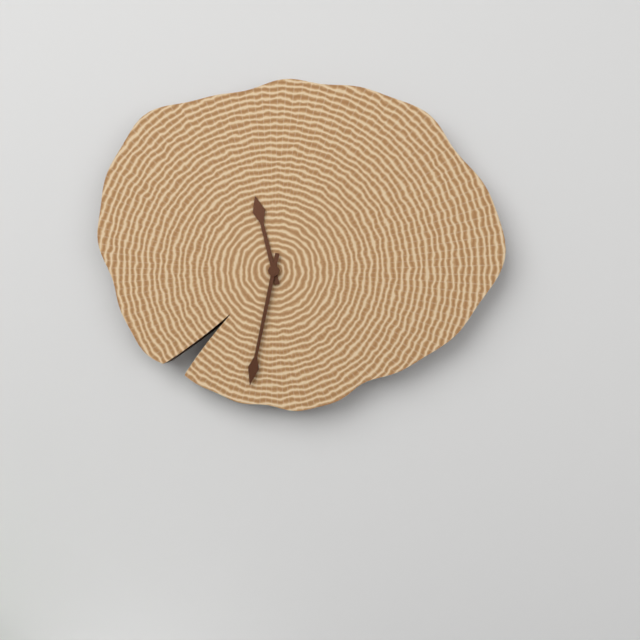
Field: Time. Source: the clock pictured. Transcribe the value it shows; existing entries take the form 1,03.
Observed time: 11,32
